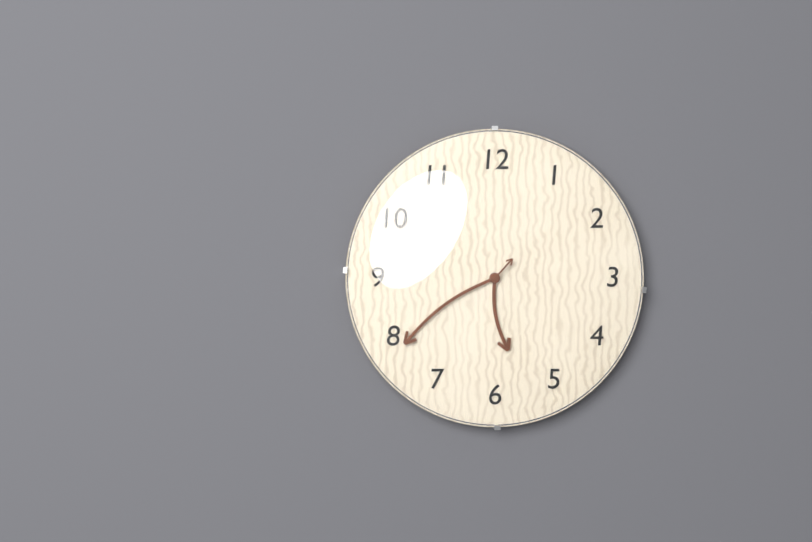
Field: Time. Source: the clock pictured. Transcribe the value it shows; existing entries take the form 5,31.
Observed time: 5,39
